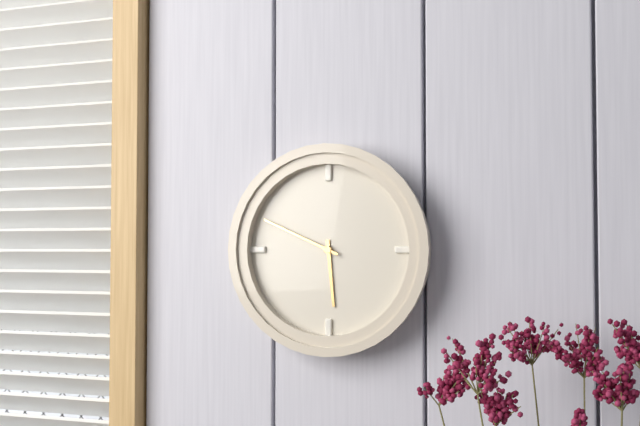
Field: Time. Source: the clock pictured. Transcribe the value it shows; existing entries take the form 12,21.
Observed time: 5,49
